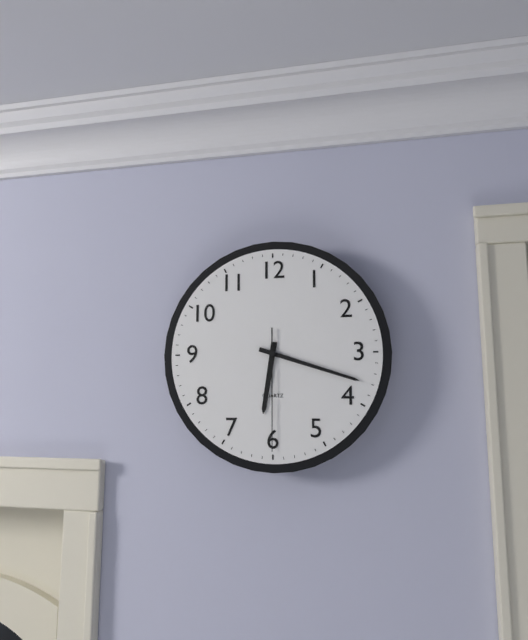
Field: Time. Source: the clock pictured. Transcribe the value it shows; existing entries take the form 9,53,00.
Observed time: 6,18,30
